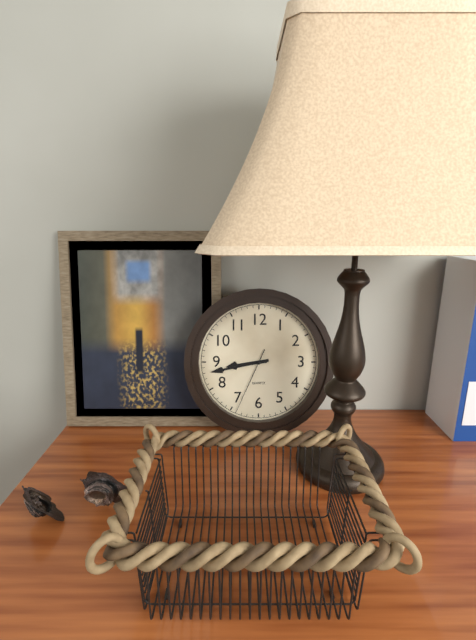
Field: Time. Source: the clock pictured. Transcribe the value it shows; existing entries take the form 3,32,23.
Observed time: 8,43,34
